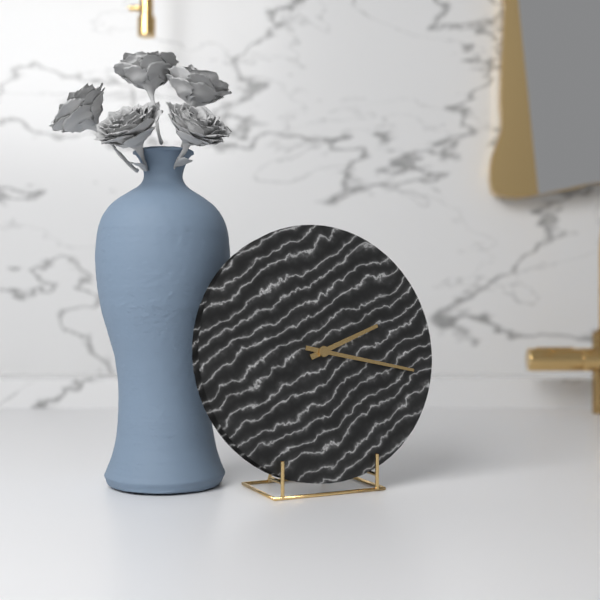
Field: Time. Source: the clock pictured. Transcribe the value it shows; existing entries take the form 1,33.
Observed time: 2,17
